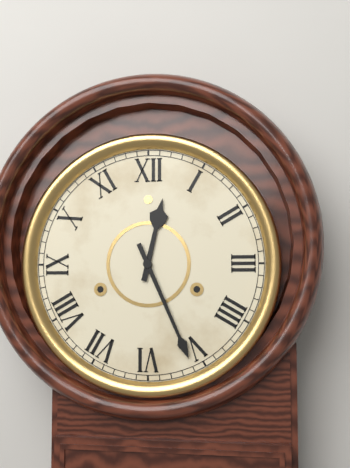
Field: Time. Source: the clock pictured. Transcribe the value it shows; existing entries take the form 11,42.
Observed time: 12,26
